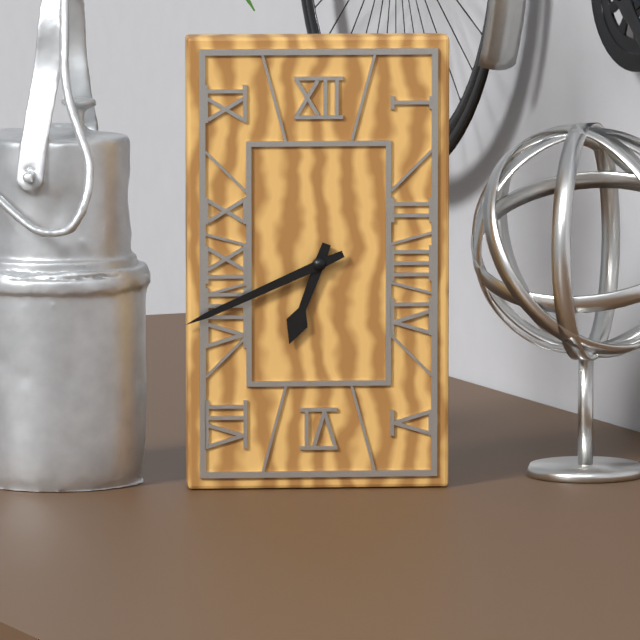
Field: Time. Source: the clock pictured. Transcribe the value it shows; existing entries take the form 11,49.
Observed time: 6,41
